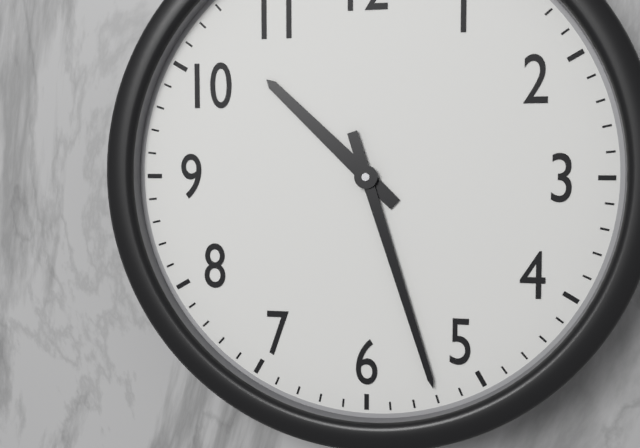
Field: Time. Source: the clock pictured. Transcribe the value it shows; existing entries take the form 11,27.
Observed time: 10,27
